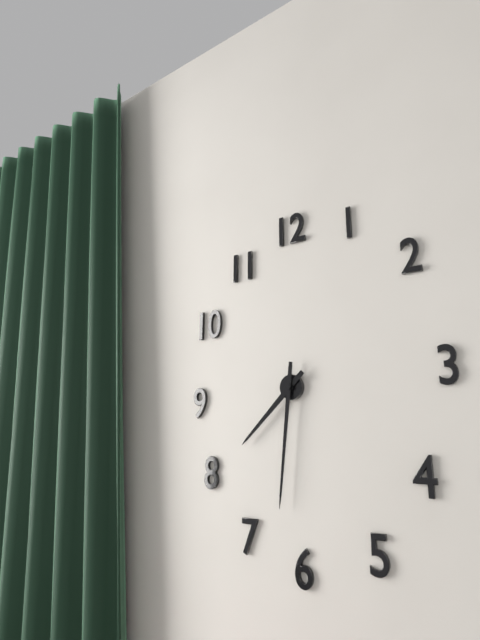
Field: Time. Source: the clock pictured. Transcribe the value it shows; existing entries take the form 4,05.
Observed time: 7,31
